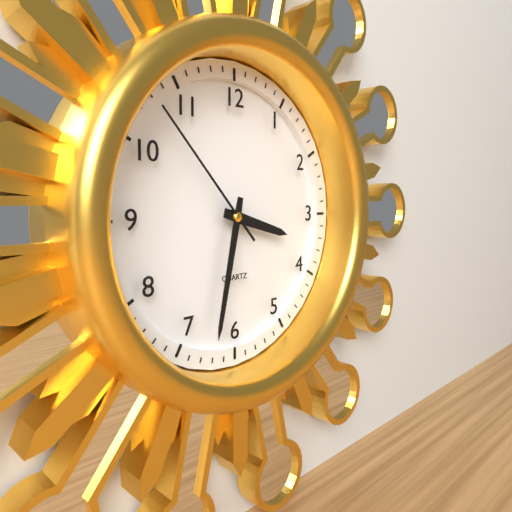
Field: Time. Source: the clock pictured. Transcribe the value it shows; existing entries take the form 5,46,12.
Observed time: 3,32,53
